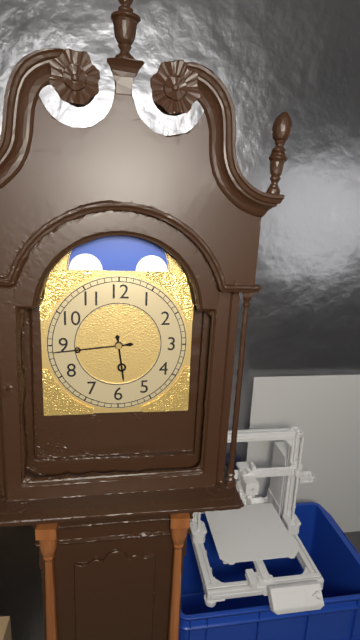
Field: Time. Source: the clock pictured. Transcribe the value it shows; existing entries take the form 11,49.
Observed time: 5,44
